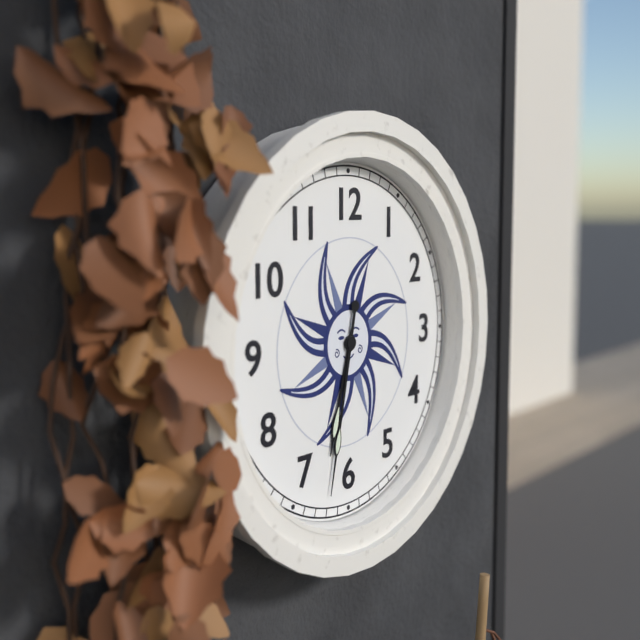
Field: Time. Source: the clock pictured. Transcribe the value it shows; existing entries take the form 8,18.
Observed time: 6,32
